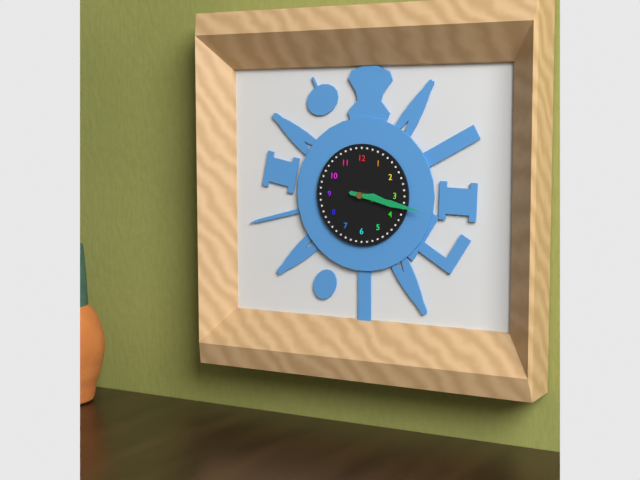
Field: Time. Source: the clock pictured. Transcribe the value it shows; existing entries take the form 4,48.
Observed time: 3,17
